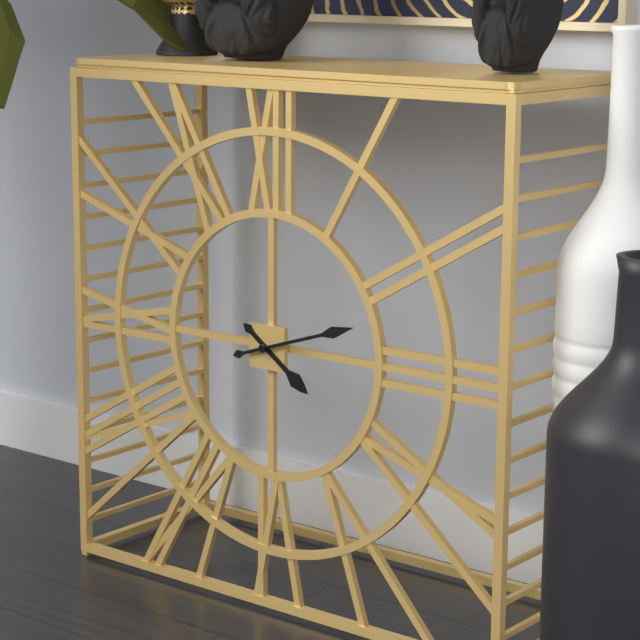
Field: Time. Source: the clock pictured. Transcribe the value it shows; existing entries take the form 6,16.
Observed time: 4,12
